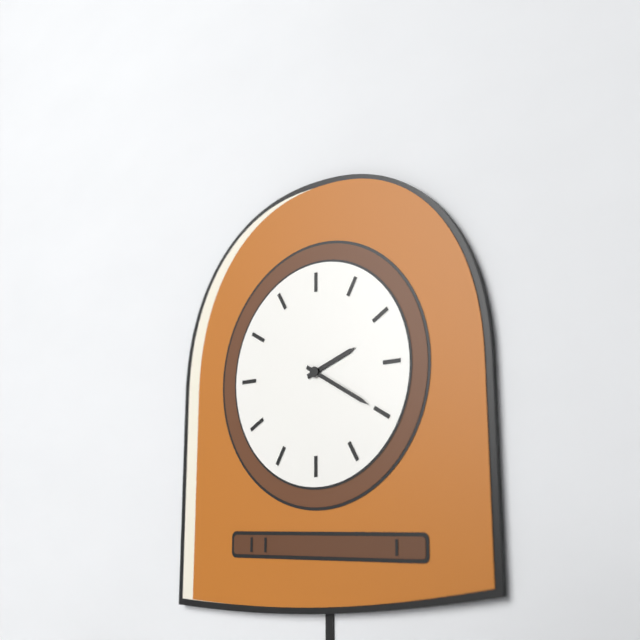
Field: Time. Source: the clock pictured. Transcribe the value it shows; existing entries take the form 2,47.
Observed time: 2,20
